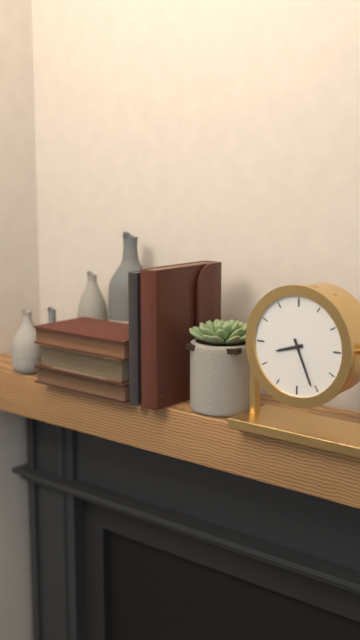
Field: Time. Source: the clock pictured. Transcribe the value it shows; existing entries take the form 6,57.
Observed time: 8,26
